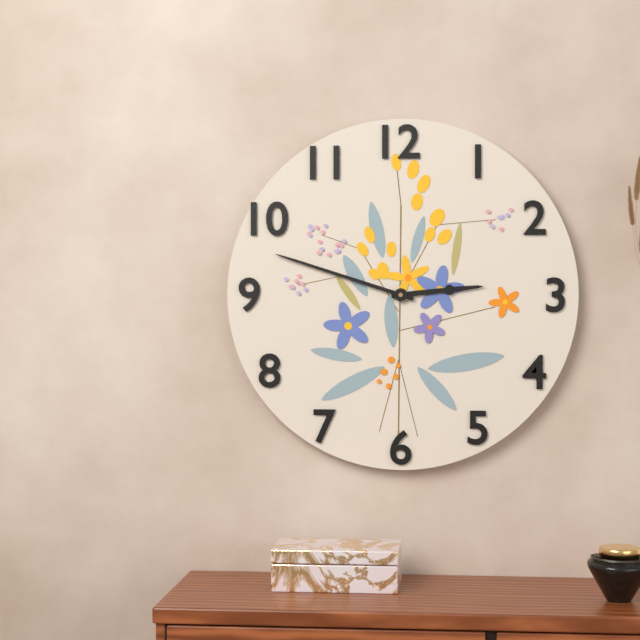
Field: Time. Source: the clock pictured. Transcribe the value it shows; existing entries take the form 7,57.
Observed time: 2,48
